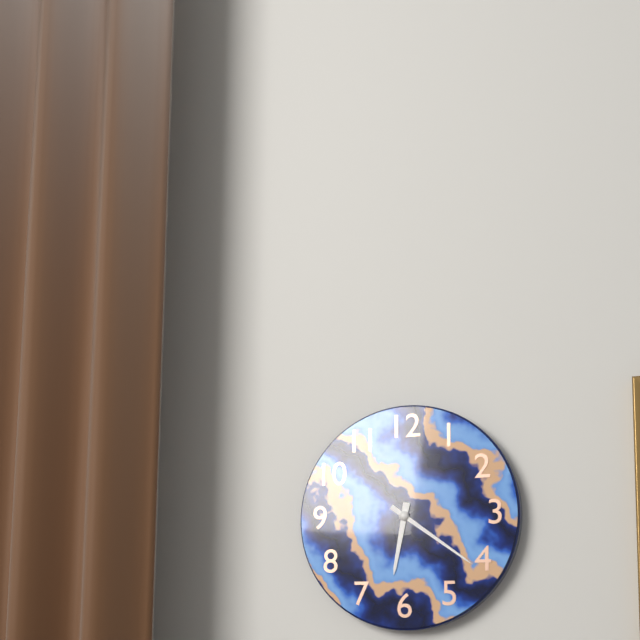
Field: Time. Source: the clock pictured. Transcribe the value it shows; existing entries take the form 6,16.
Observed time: 6,21
